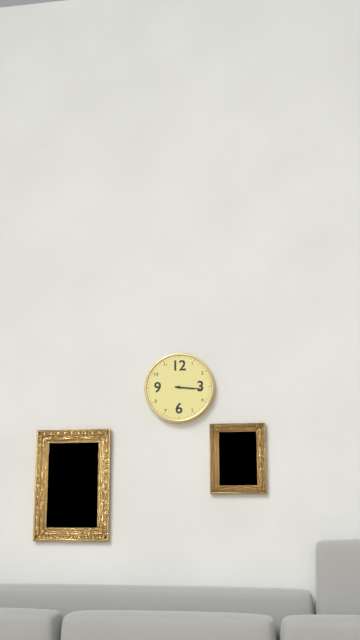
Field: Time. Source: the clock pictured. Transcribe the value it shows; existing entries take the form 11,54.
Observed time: 3,16
